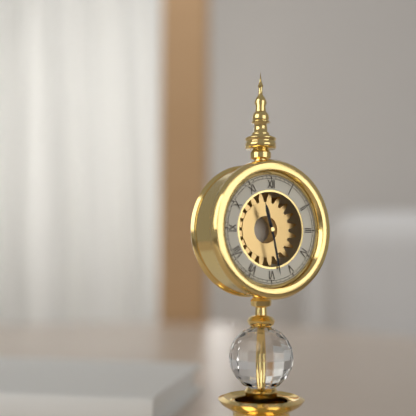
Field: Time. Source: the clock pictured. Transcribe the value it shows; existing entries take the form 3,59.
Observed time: 11,28
